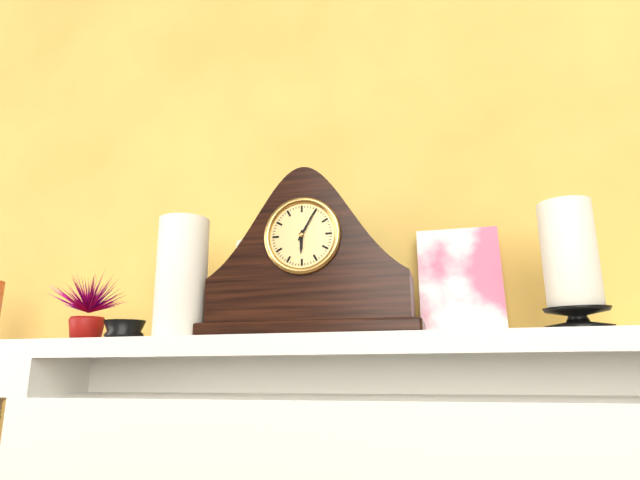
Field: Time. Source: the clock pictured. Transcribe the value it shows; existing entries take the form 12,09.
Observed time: 6,05
